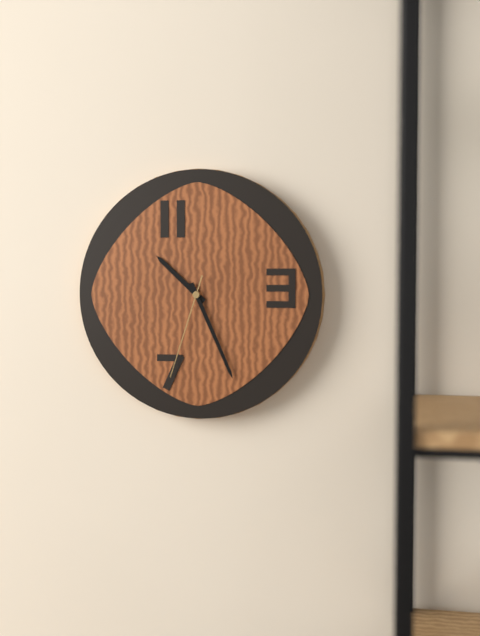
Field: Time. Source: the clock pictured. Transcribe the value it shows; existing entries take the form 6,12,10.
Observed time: 10,26,33
